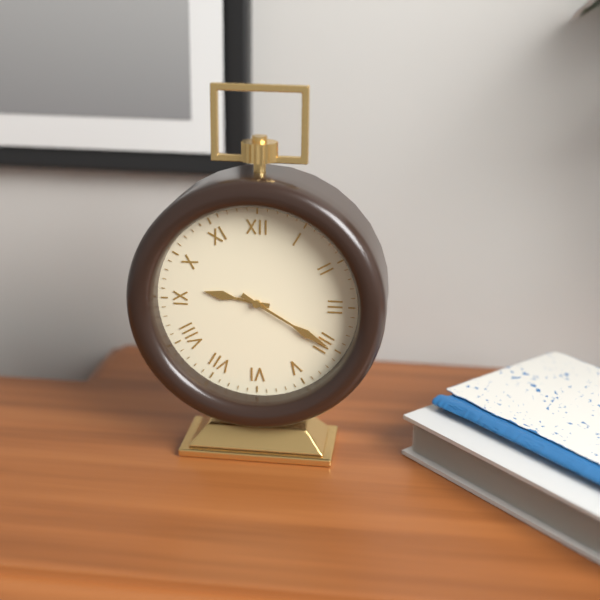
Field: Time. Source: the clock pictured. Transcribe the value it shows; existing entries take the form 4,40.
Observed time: 9,20
